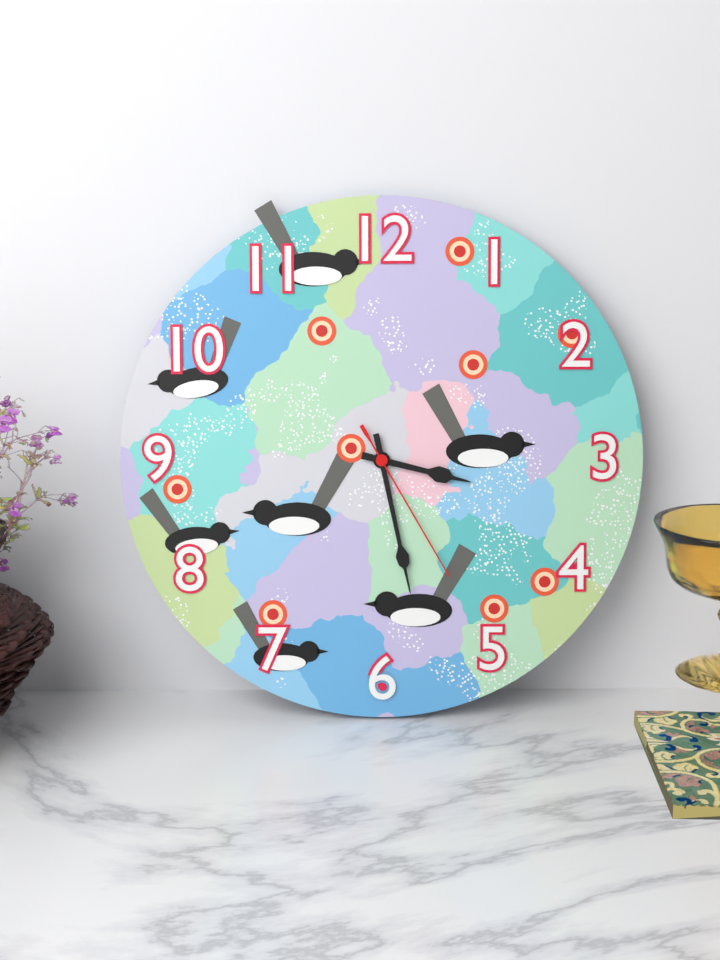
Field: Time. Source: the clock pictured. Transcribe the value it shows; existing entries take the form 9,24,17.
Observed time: 3,28,25
